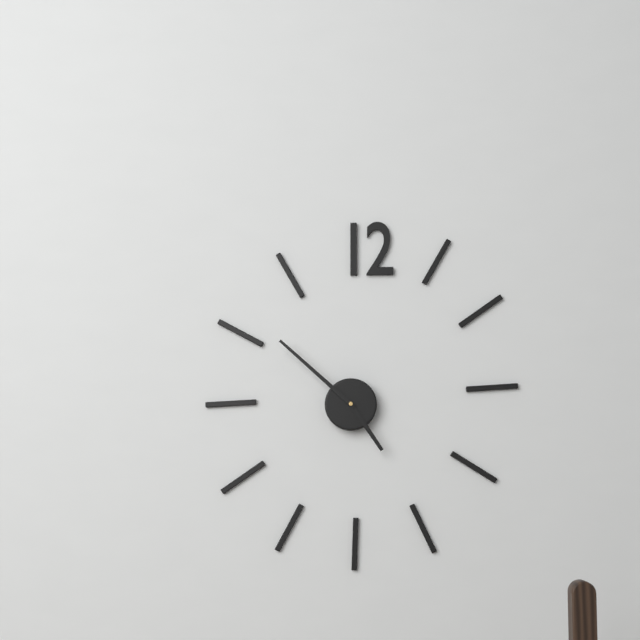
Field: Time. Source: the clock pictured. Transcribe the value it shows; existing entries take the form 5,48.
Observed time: 4,52
